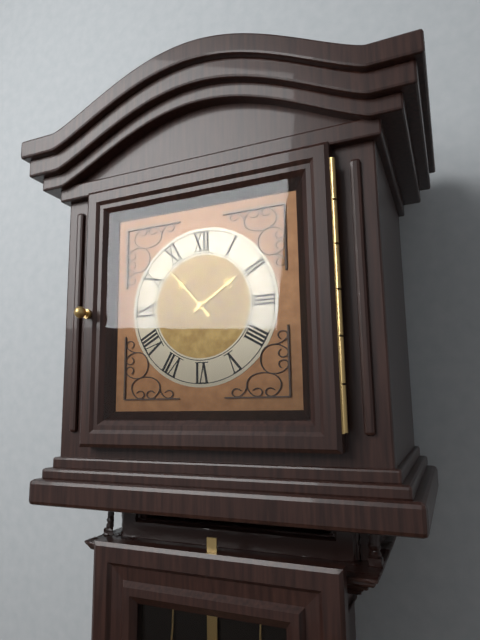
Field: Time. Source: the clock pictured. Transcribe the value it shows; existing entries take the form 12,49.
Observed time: 1,53
